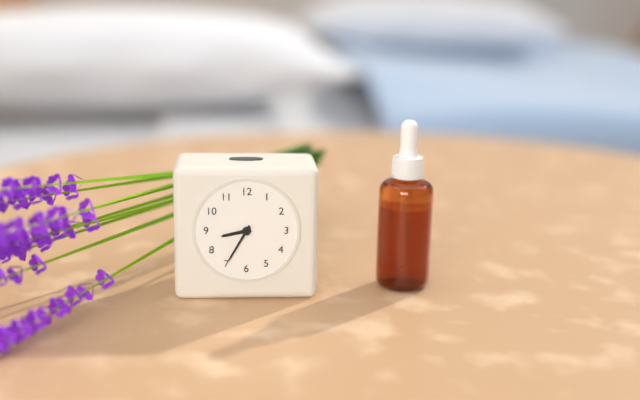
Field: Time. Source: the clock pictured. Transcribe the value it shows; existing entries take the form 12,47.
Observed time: 8,35
